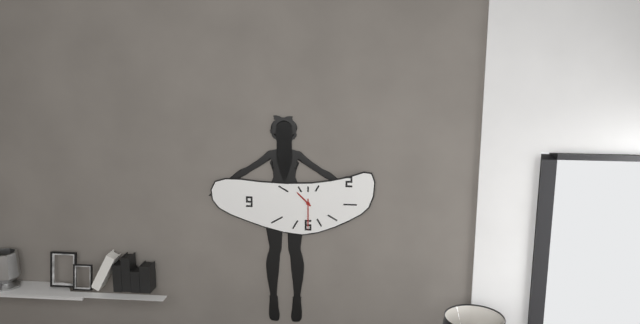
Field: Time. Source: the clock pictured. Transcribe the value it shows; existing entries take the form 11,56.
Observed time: 10,30
